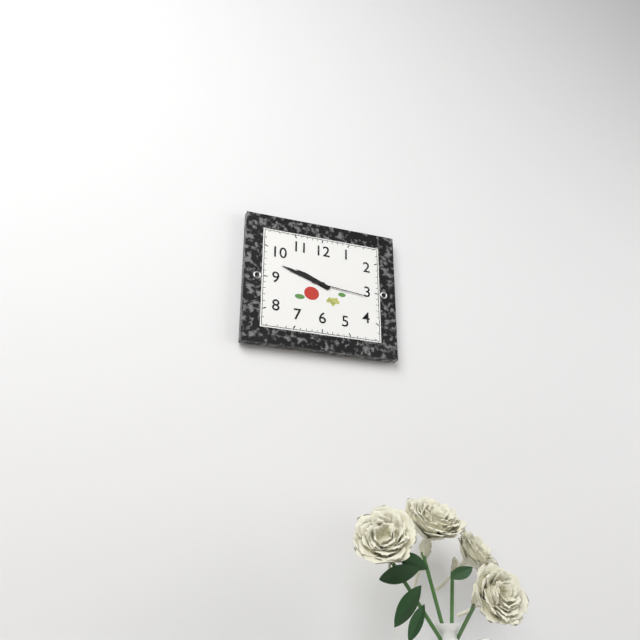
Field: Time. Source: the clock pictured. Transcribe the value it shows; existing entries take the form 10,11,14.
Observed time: 9,48,16
